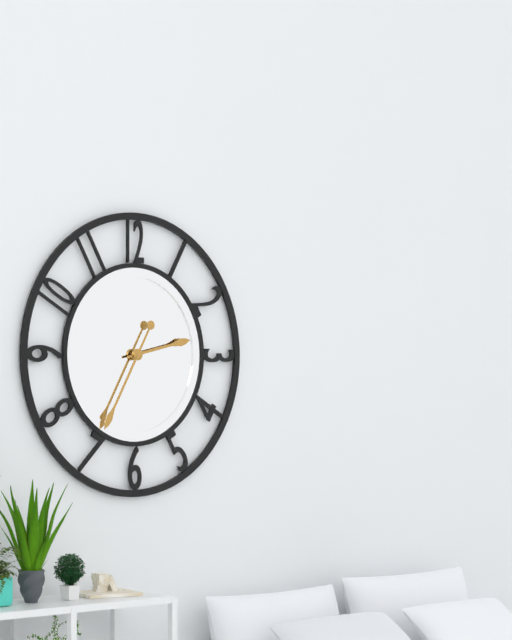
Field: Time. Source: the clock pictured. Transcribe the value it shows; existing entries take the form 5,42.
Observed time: 2,35
